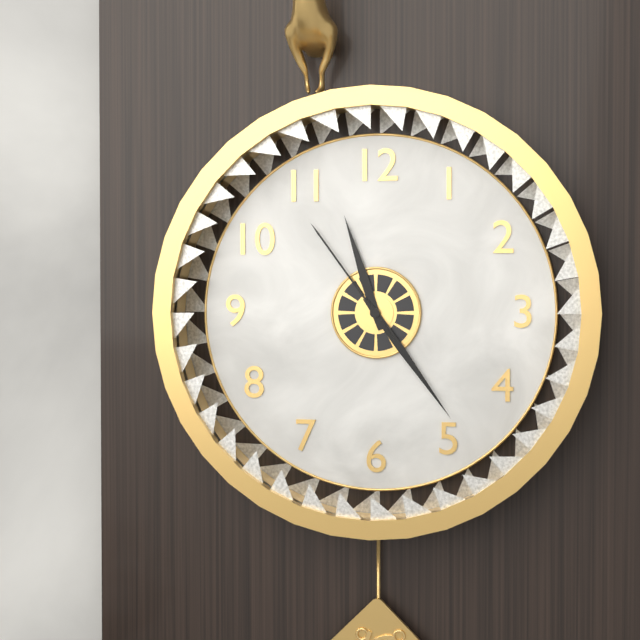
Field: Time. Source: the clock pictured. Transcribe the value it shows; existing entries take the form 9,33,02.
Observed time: 11,24,54
